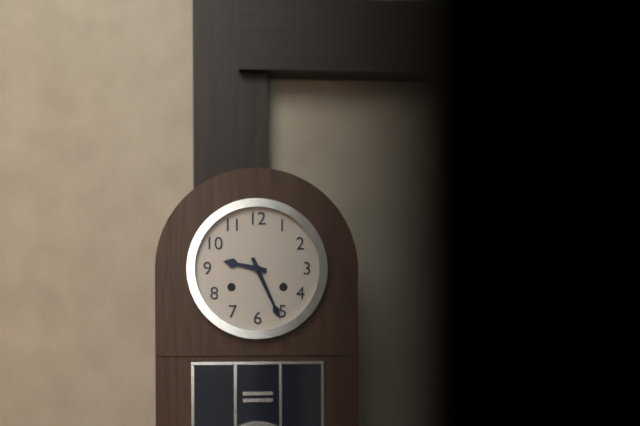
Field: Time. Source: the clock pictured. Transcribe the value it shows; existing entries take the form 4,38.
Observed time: 9,26
